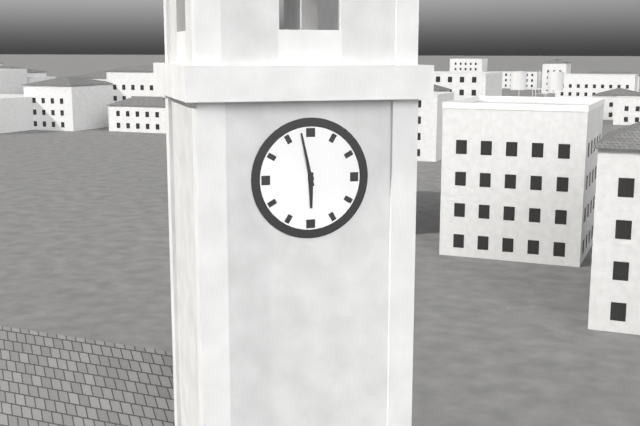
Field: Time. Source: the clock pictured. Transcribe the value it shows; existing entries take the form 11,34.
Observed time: 5,58
